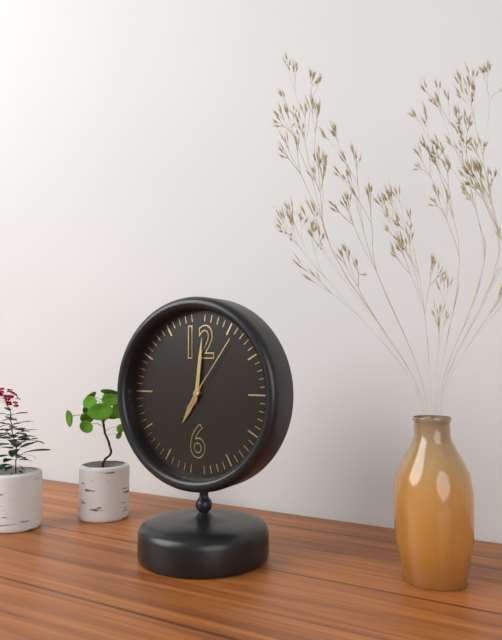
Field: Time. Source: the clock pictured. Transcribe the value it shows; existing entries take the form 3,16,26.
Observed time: 7,01,06
